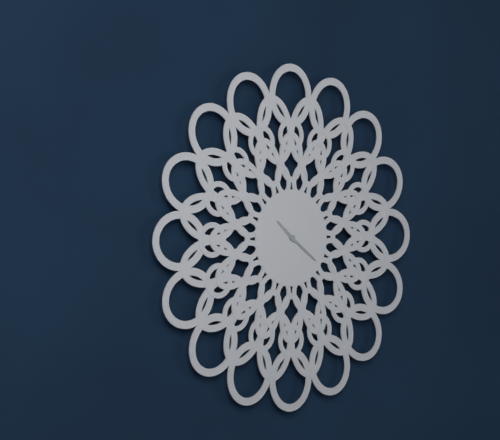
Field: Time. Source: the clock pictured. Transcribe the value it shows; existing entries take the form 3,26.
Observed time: 10,21
